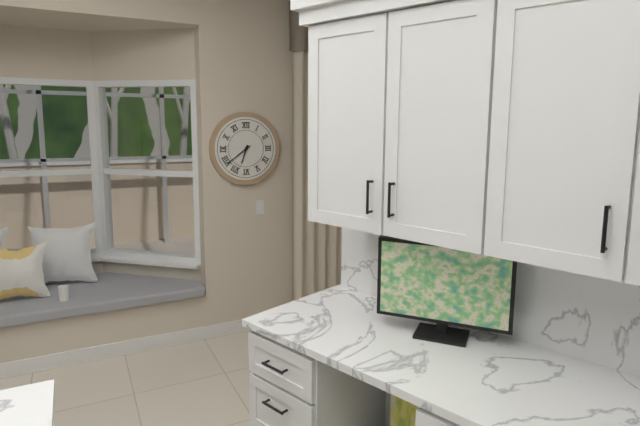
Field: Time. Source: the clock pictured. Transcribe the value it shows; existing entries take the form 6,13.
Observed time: 6,39
